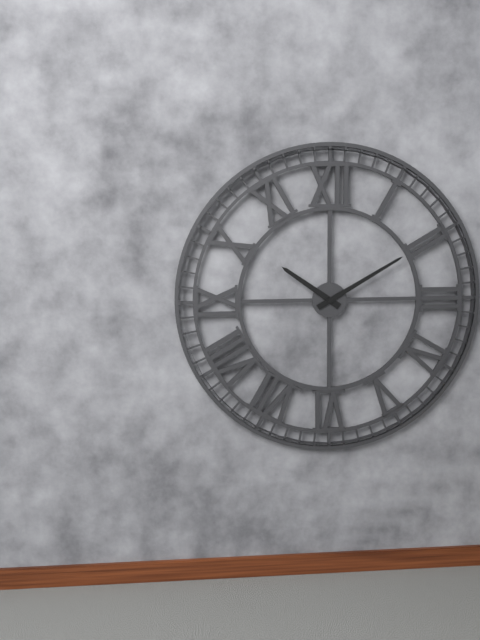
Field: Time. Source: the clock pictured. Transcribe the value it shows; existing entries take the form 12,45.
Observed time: 10,10
